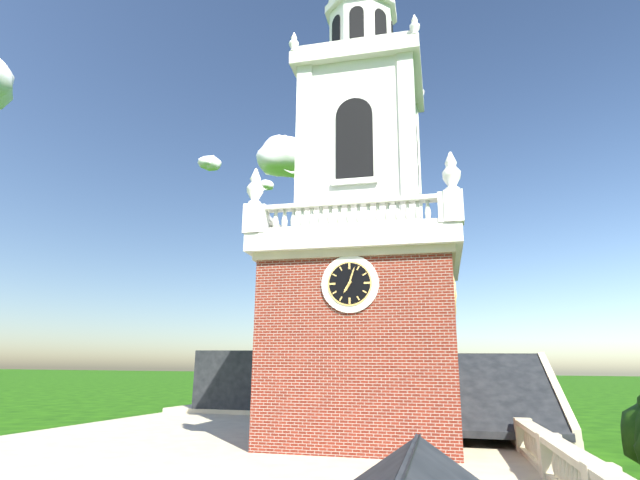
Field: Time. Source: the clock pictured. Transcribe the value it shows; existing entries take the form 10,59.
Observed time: 7,03
